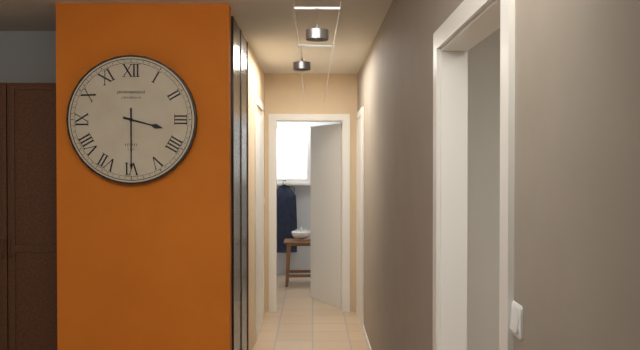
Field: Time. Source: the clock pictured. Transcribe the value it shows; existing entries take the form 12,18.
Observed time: 3,30
